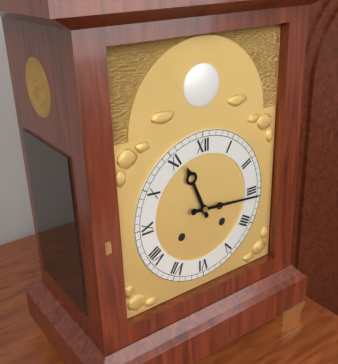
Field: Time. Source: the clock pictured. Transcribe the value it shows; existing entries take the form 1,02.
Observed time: 11,16
